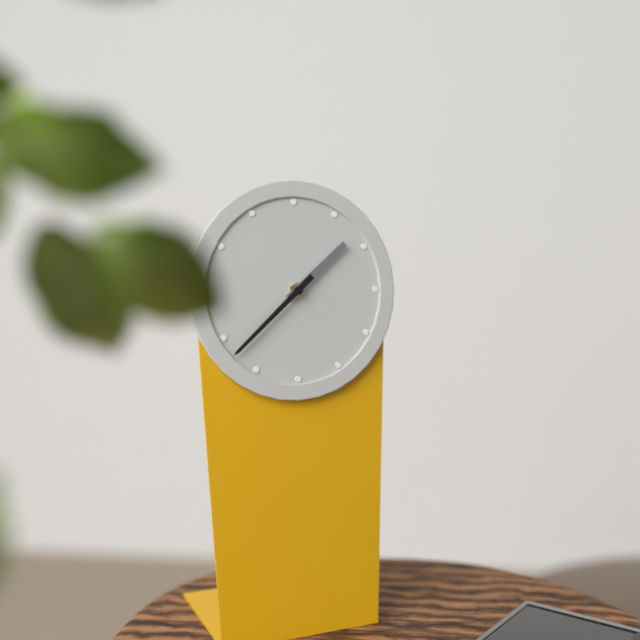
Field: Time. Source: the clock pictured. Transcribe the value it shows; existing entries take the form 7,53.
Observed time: 1,38
